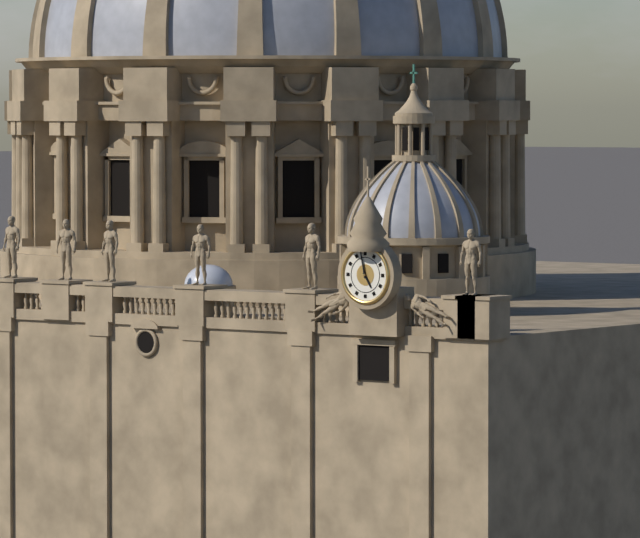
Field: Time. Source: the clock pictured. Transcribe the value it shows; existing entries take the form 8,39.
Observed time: 4,58
